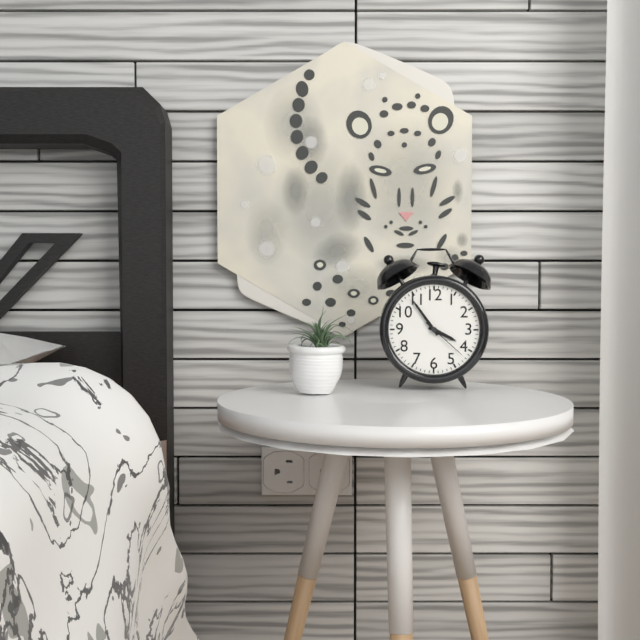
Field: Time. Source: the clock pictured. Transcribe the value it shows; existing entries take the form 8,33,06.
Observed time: 3,54,22
